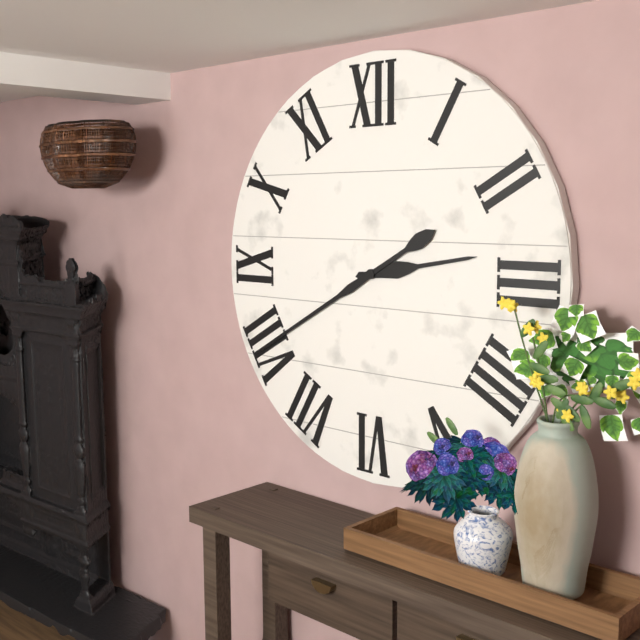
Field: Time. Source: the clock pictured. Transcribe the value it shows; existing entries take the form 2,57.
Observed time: 2,40
